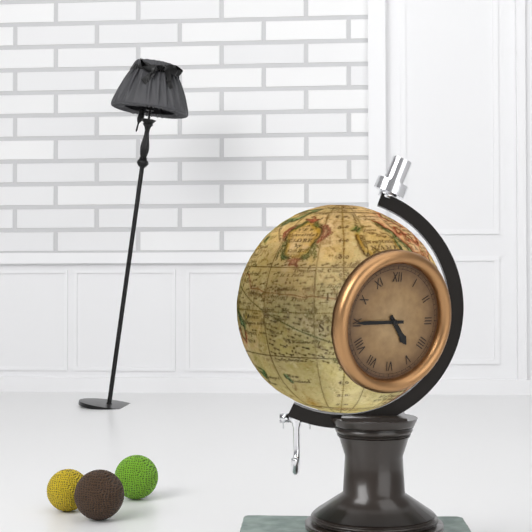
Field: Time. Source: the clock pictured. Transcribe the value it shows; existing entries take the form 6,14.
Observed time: 4,45
